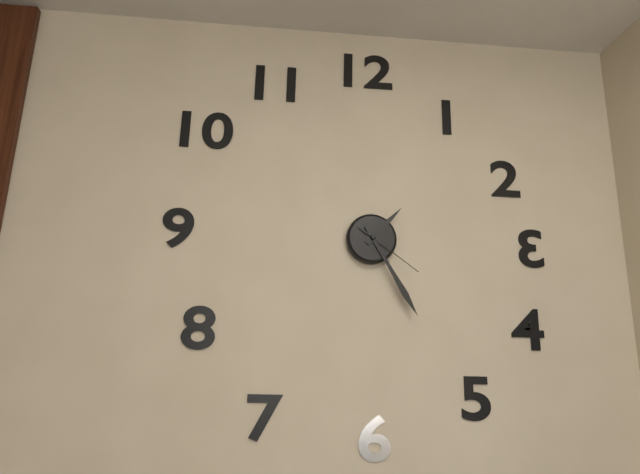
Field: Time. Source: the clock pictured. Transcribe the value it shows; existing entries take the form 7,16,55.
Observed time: 1,25,21
